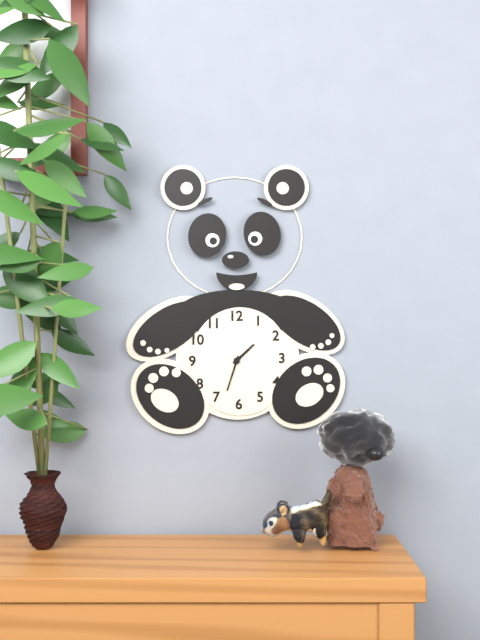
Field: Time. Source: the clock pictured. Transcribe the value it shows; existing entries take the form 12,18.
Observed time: 1,33
